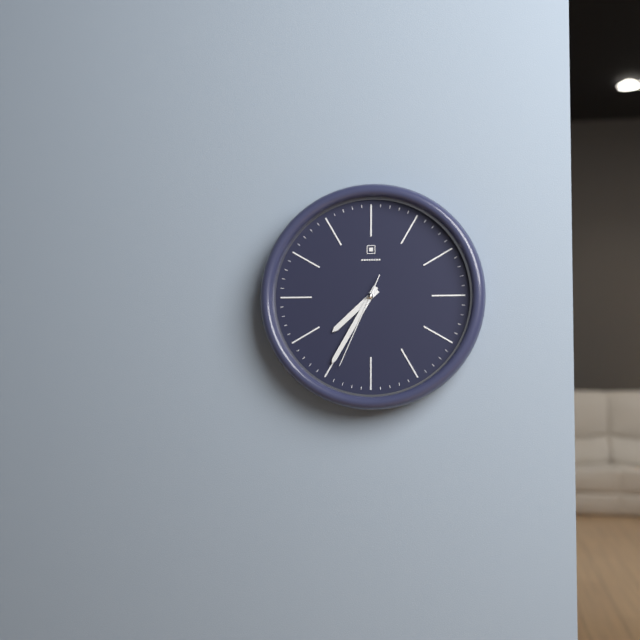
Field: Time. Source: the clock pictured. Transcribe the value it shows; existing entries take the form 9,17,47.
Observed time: 7,35,34
